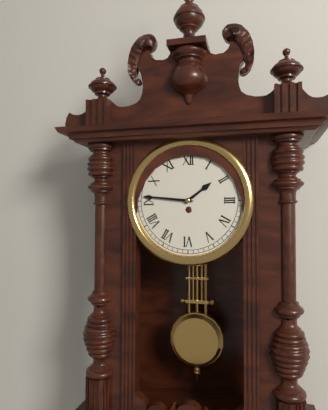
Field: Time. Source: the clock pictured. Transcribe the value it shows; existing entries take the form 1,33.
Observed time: 1,46
